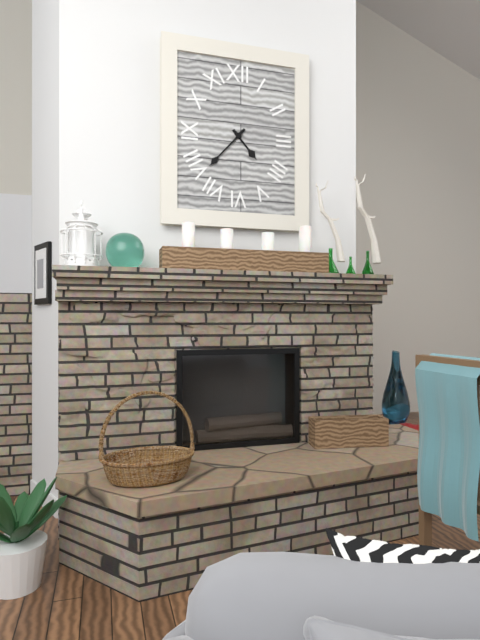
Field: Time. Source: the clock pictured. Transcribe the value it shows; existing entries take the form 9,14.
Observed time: 4,37
